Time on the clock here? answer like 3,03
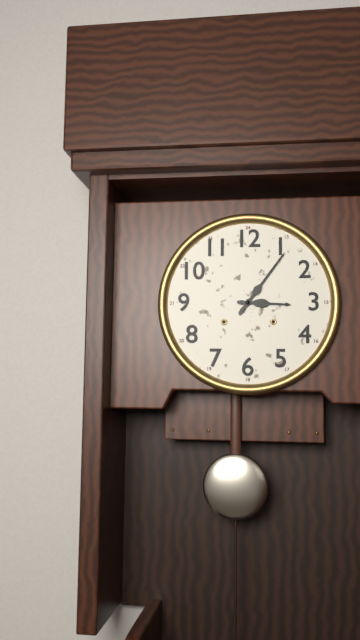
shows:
3,06
